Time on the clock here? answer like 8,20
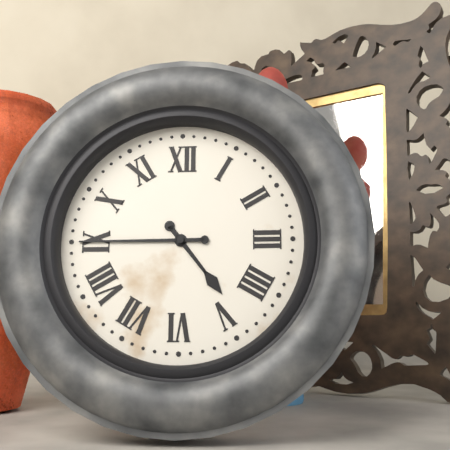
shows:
4,45
